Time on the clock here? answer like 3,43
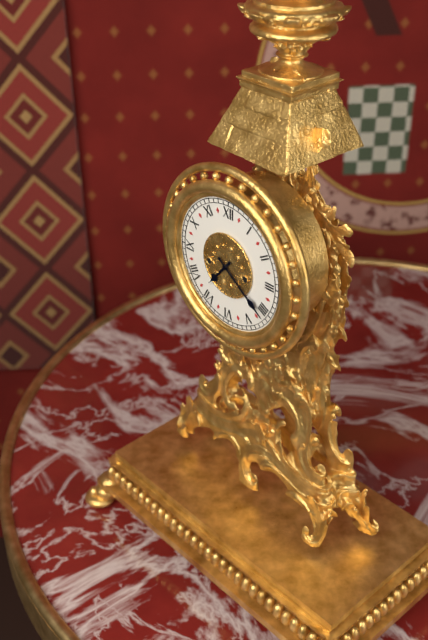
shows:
7,21
